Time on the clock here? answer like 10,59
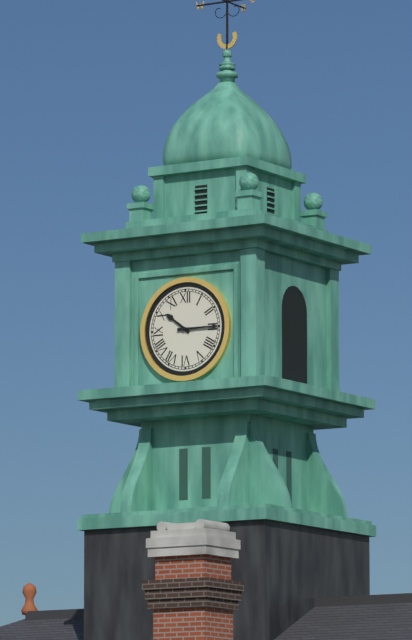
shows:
10,15
